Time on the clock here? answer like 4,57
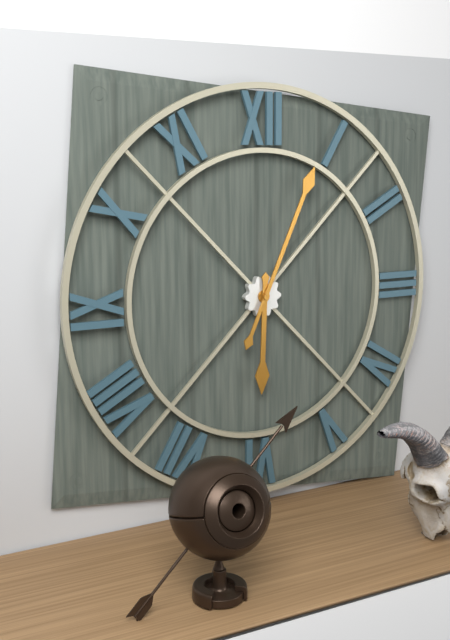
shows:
6,04
